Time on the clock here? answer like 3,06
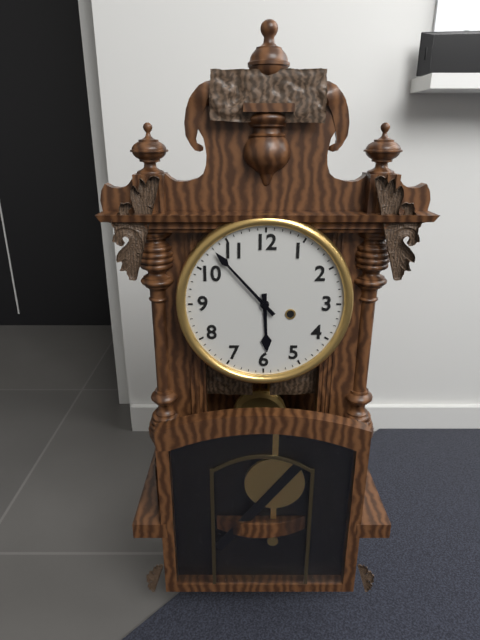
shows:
5,53
